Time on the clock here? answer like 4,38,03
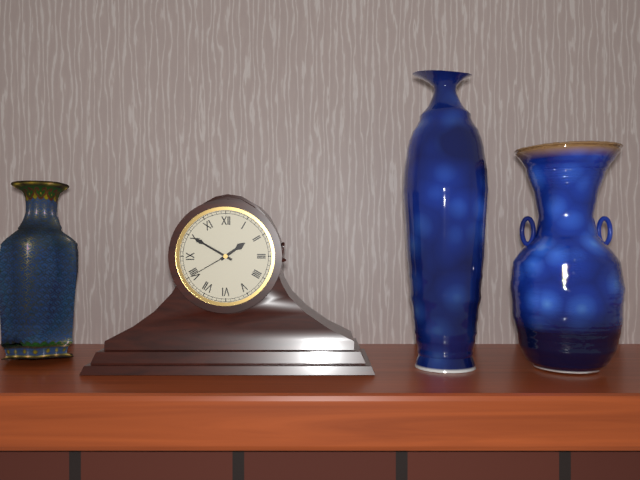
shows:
1,50,40
